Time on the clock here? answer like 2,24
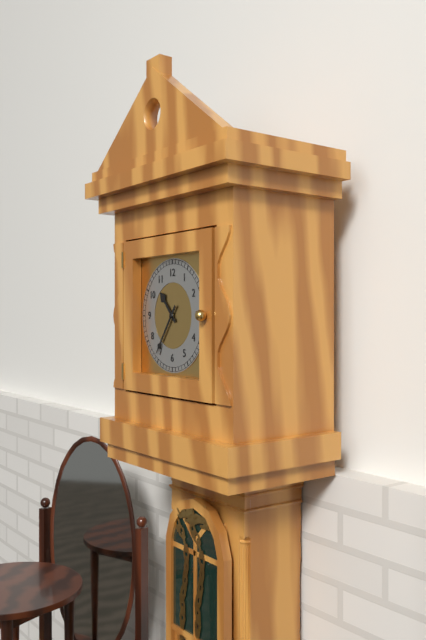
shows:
10,36
